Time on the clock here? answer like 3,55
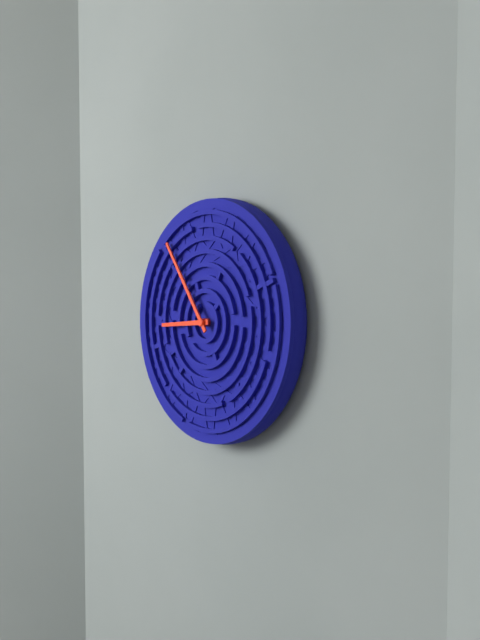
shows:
8,54
